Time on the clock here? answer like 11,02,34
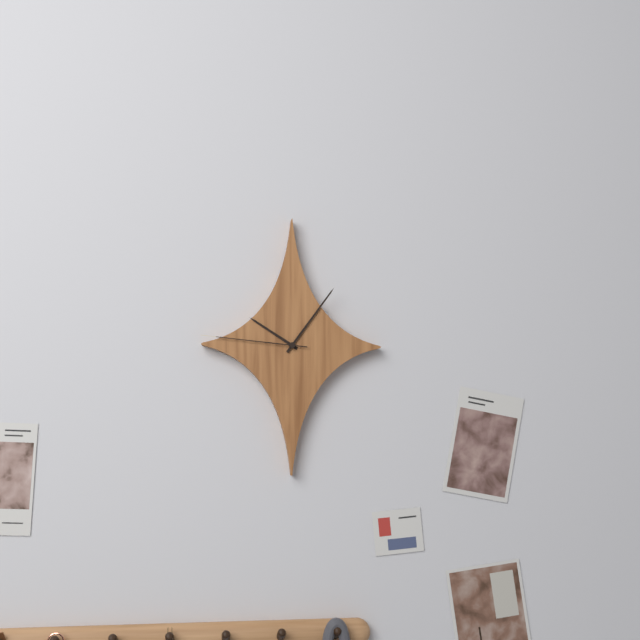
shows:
10,06,46
